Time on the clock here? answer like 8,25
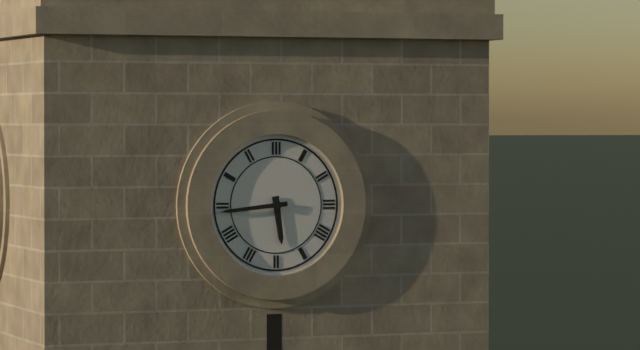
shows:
5,44
